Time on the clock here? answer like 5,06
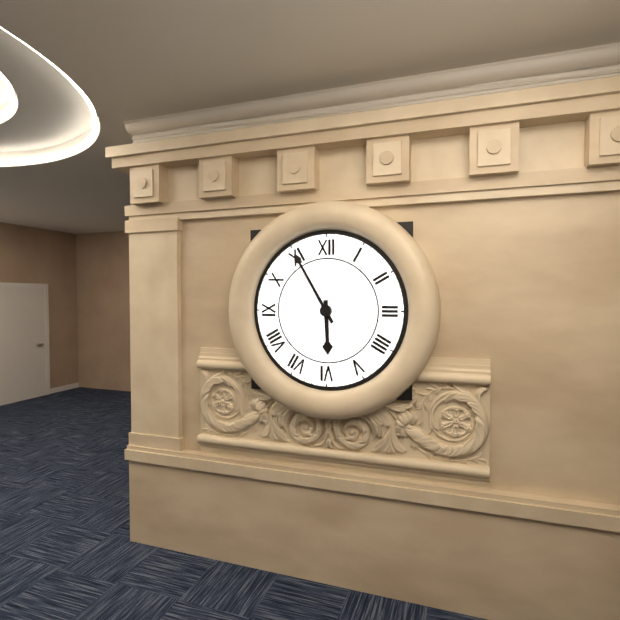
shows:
5,55
